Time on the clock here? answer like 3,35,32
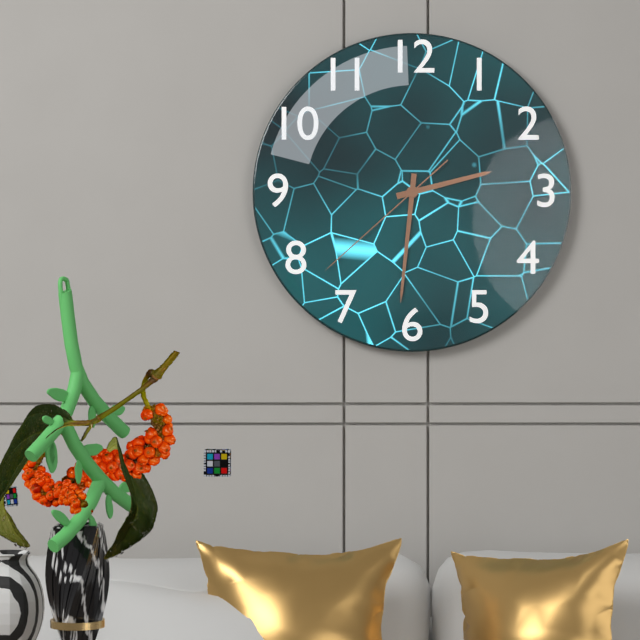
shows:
2,31,38
